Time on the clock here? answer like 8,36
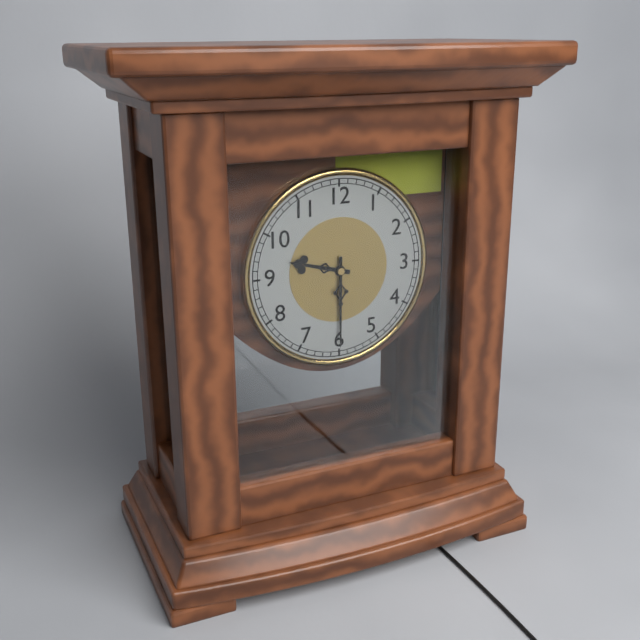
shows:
9,30
